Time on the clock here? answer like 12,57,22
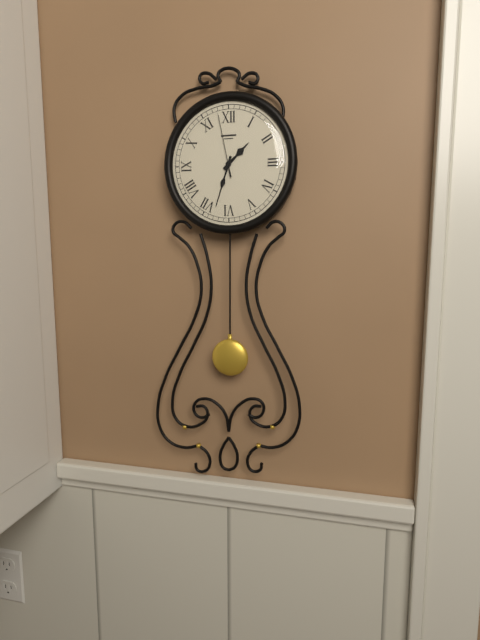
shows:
1,33,58
